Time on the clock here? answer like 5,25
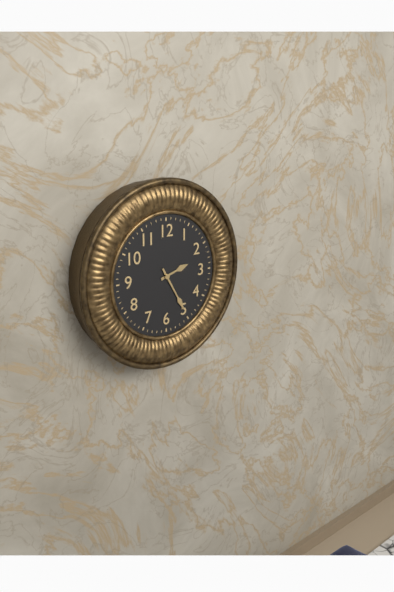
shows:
2,25
